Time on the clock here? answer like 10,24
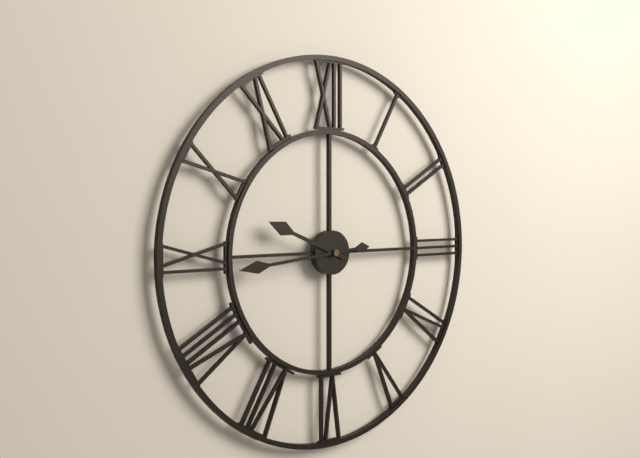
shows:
9,44
